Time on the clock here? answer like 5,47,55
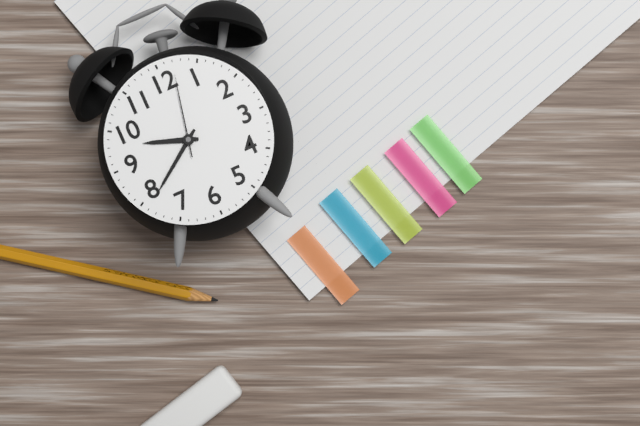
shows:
9,39,02
